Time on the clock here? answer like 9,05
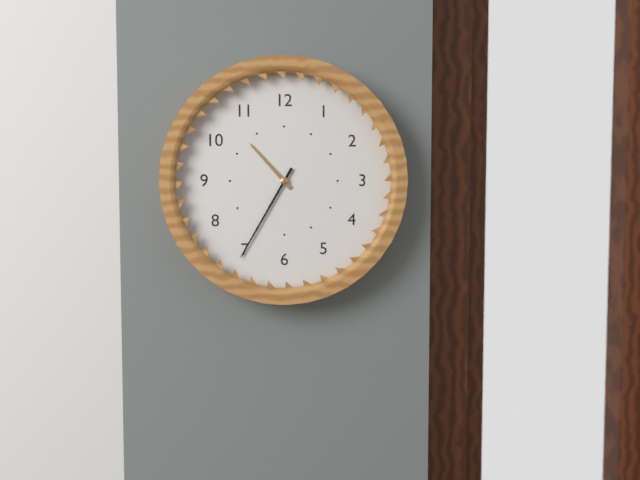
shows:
10,35
